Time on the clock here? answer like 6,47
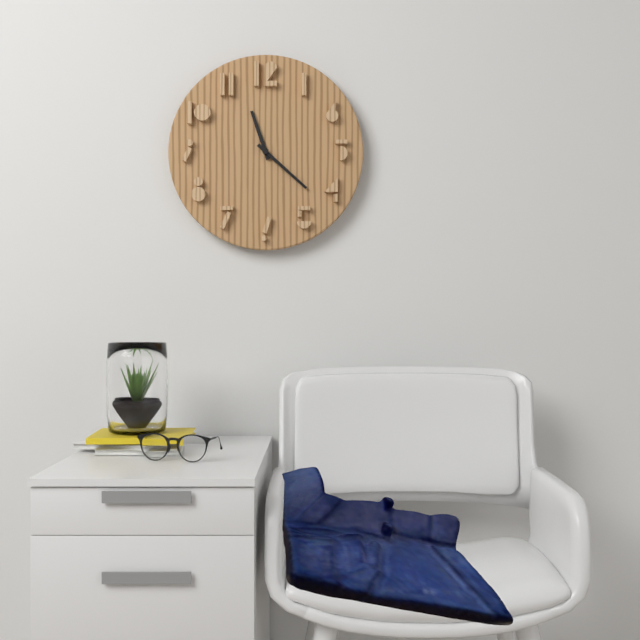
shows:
11,22
